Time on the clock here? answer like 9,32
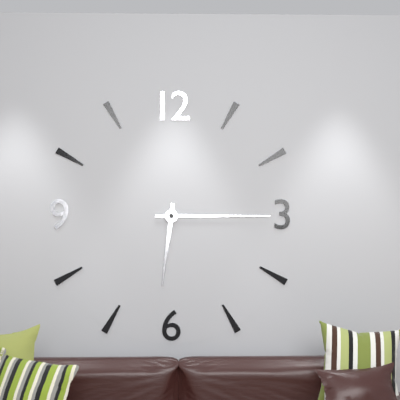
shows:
6,15
